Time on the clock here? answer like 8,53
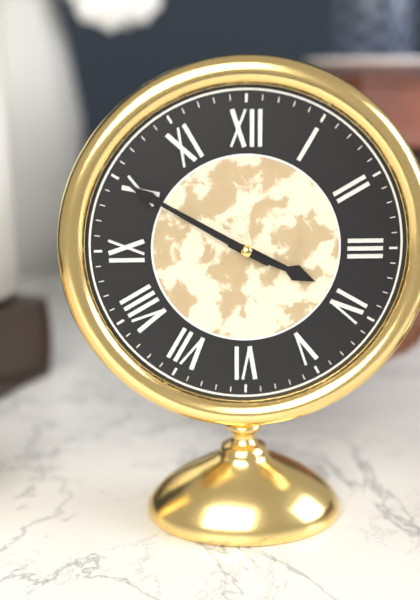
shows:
3,50
